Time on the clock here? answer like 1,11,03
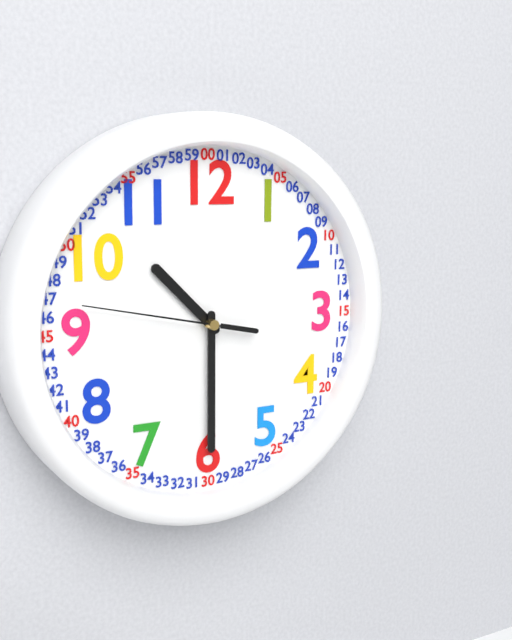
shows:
10,30,47
